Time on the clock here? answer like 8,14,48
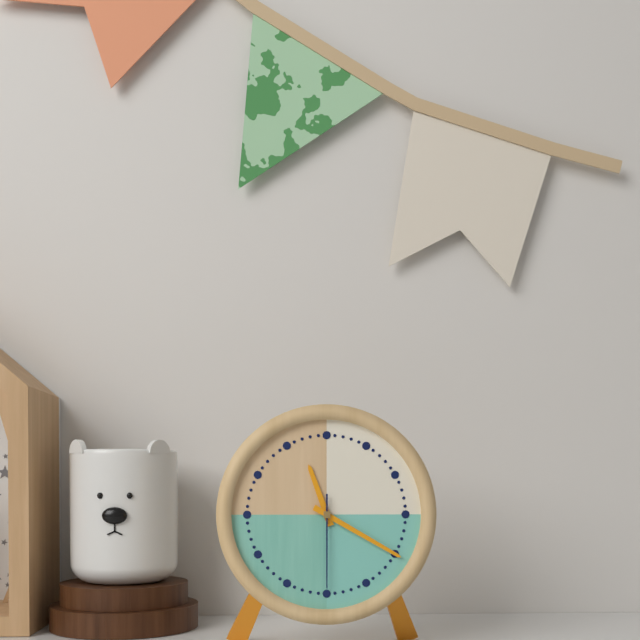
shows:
11,20,30
